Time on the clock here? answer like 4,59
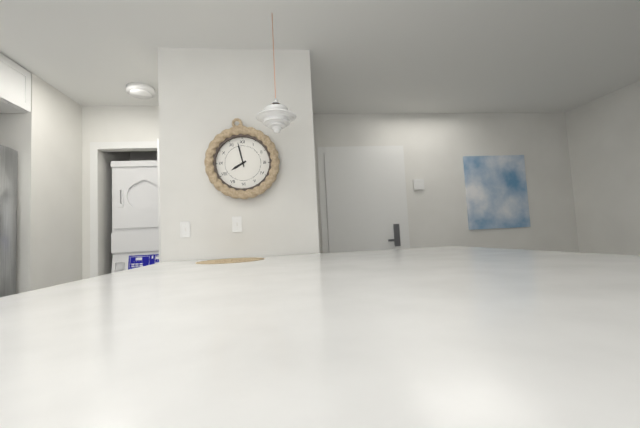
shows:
7,58
